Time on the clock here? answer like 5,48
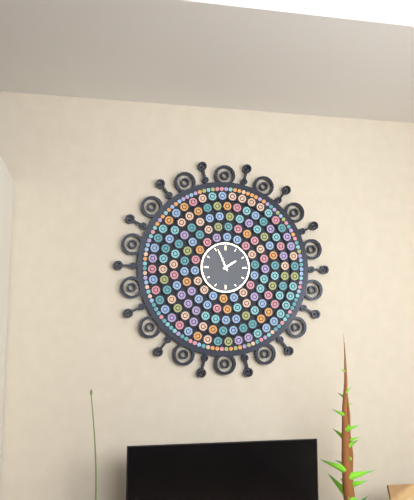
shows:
1,56
